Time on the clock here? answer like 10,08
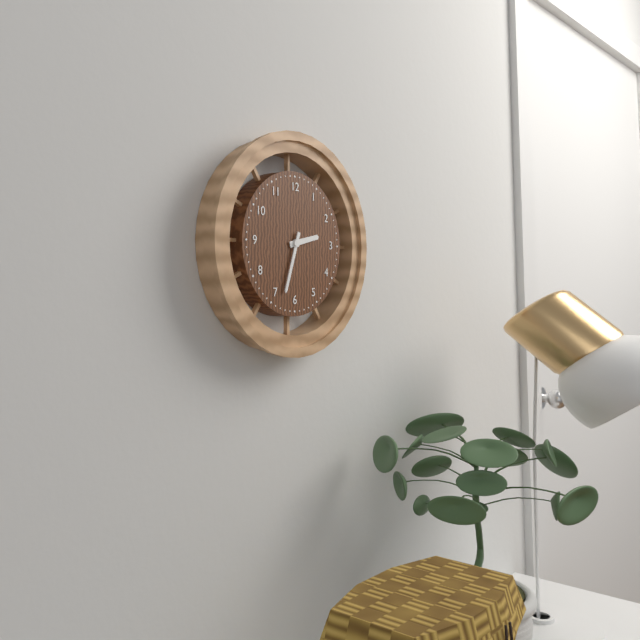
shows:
2,33
